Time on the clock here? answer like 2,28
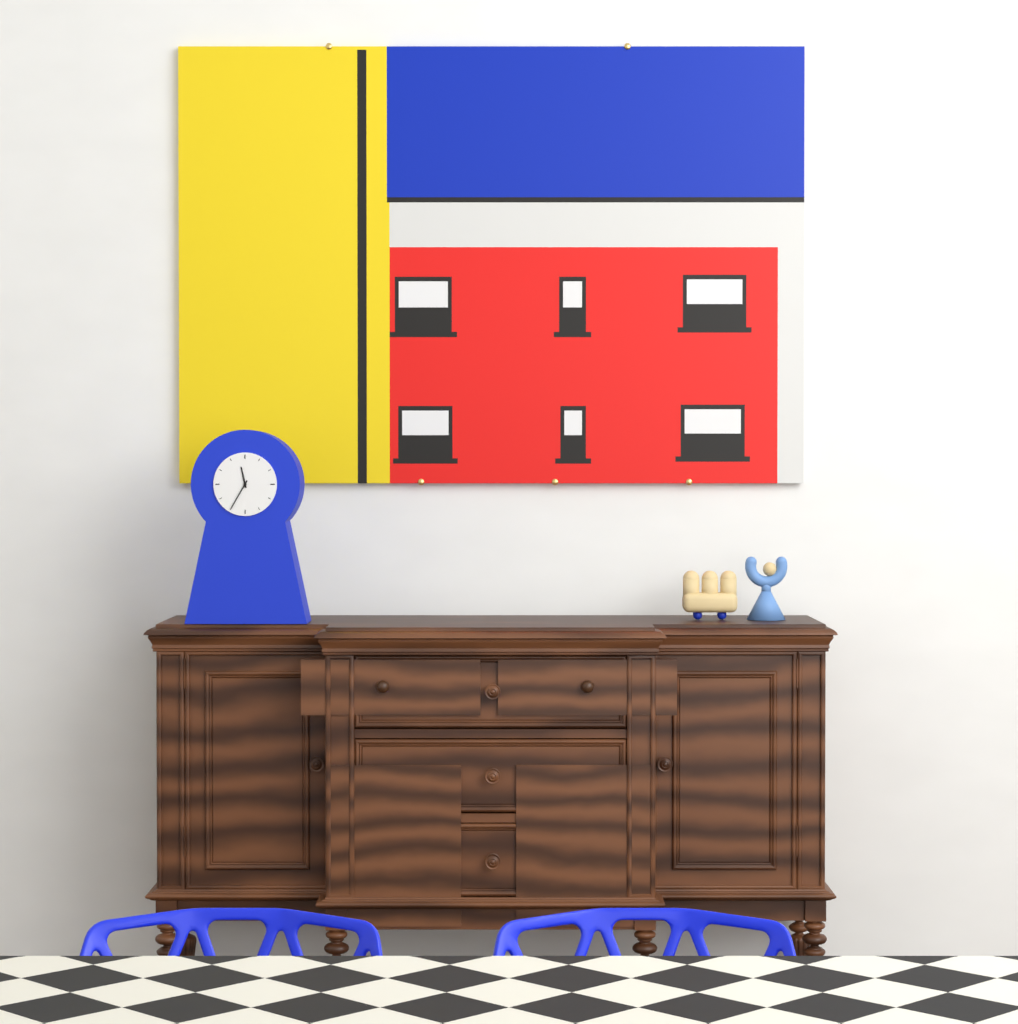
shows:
11,35
